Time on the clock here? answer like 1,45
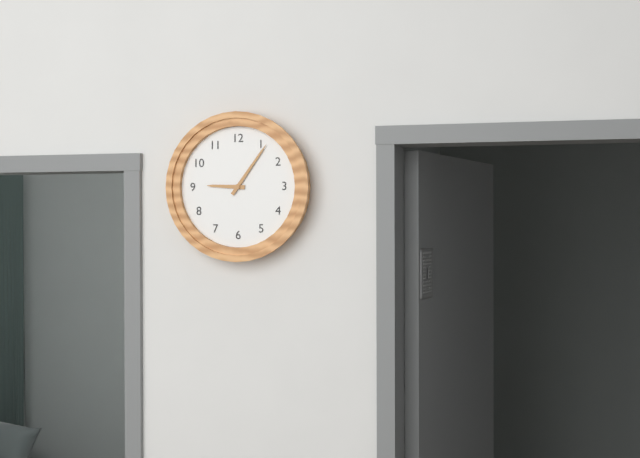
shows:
9,06
